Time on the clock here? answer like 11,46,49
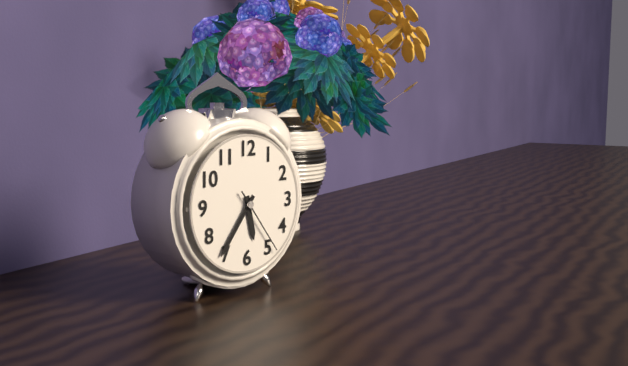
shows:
5,36,24
